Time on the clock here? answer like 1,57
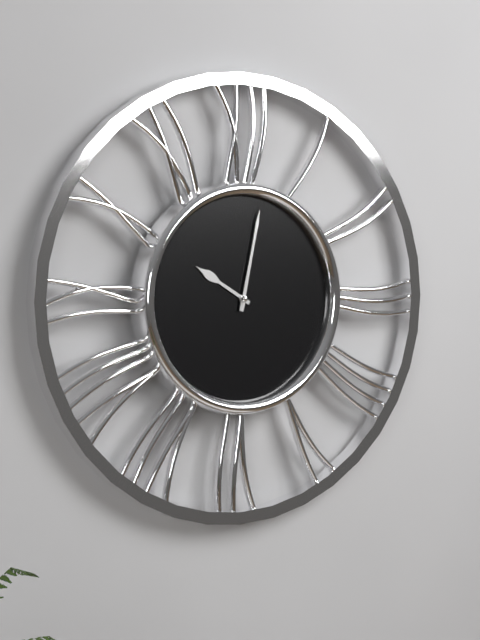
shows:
10,02
